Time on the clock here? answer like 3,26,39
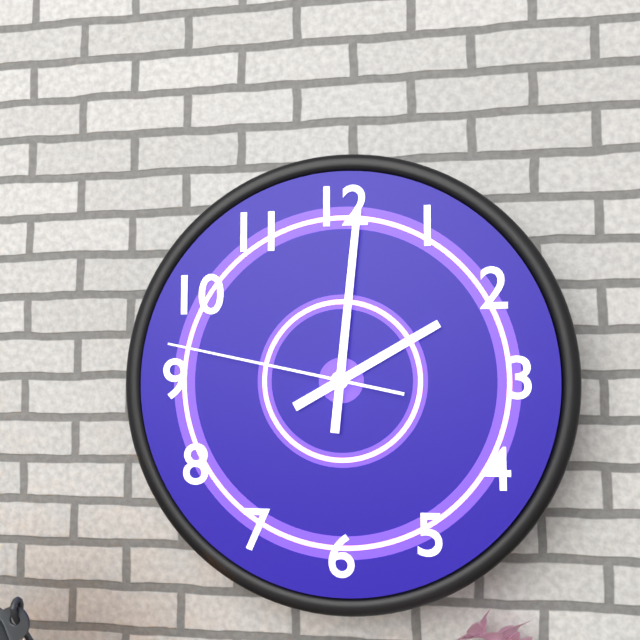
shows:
2,01,47
